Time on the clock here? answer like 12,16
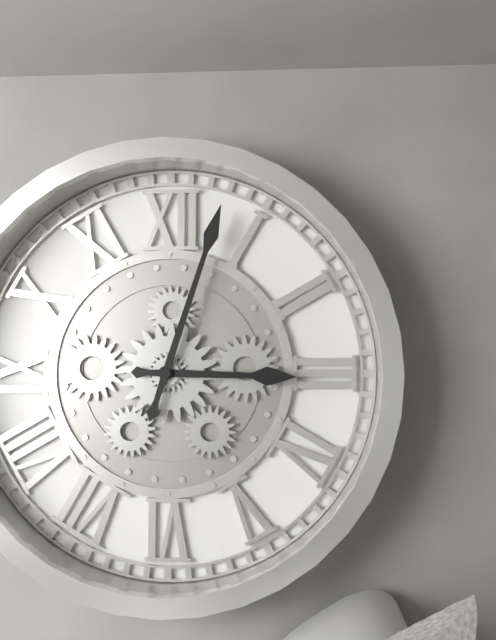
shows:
3,03
